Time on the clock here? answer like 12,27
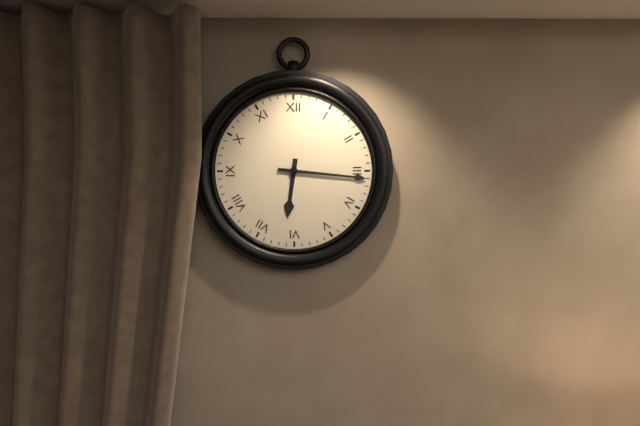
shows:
6,16
